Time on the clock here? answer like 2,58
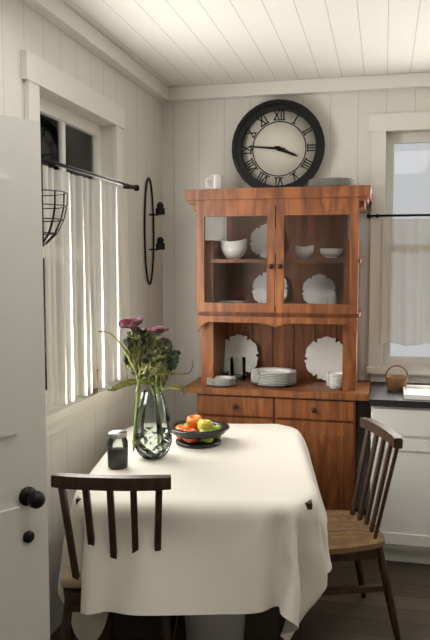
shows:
3,46
